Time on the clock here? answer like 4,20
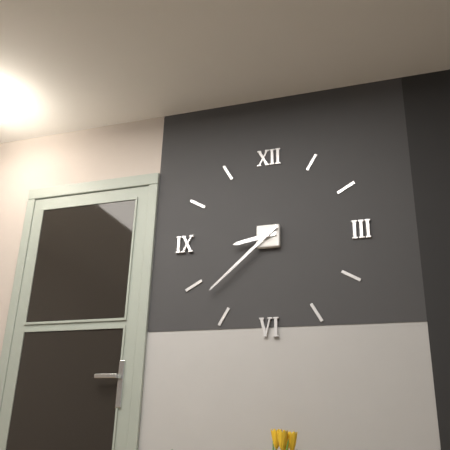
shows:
8,38
